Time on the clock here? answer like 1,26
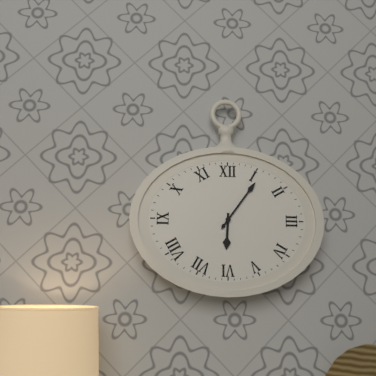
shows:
6,06
